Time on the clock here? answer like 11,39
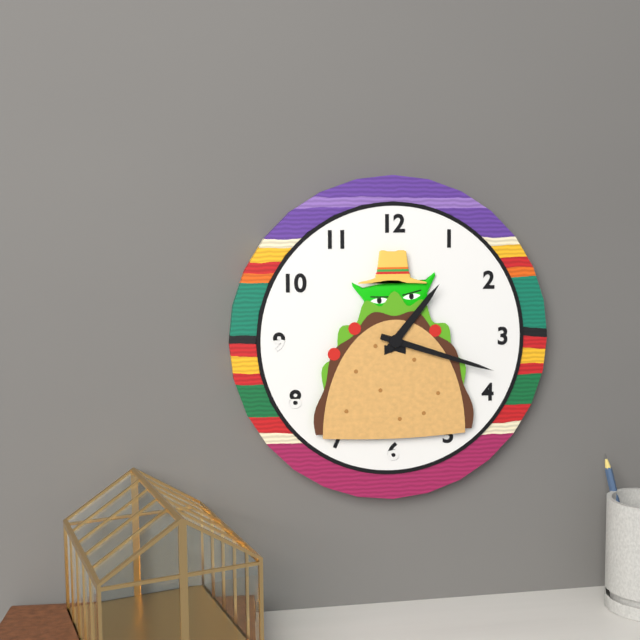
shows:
1,18
